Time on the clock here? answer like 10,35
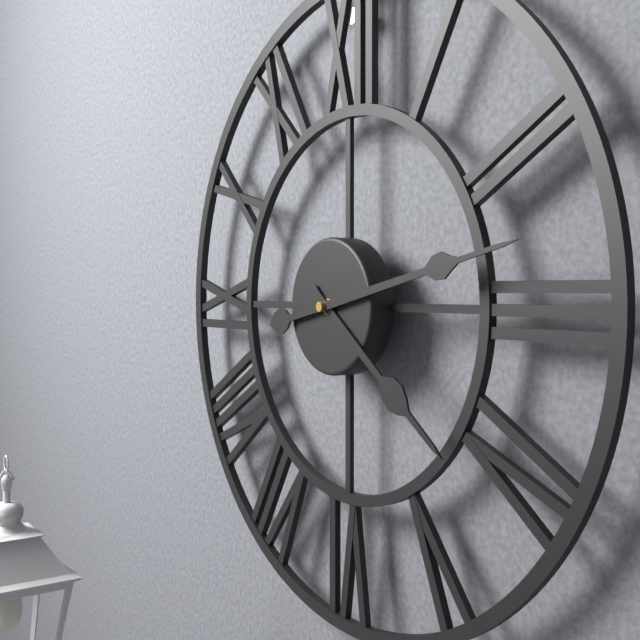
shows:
4,13
